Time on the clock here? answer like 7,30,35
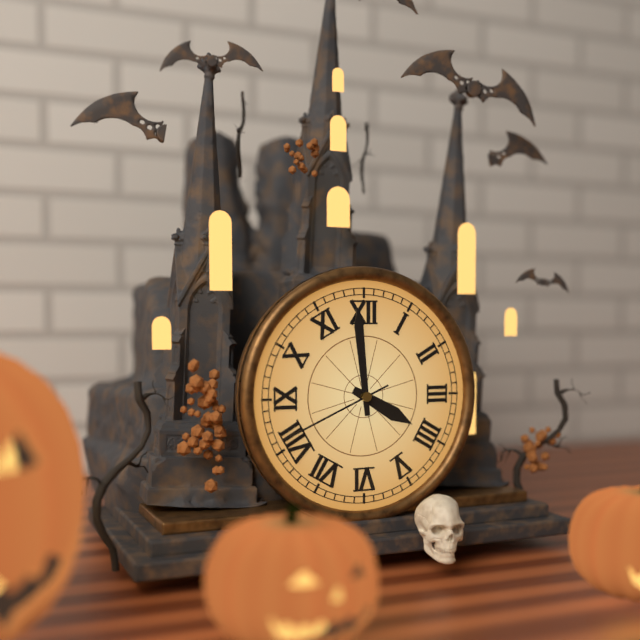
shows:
3,59,41
